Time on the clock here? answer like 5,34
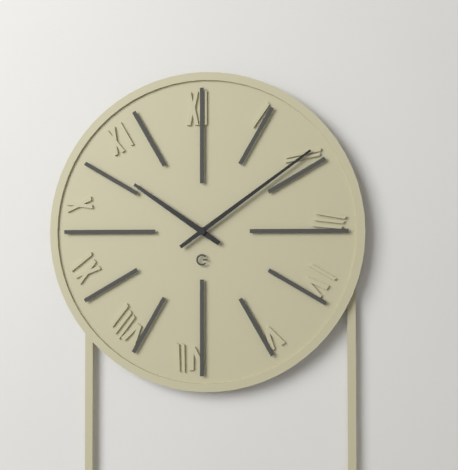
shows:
10,09
